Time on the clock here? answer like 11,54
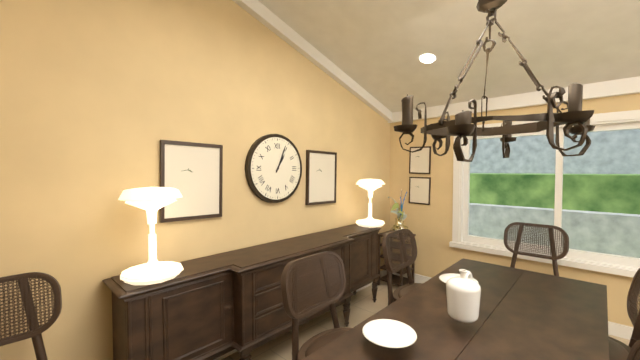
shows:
1,04
